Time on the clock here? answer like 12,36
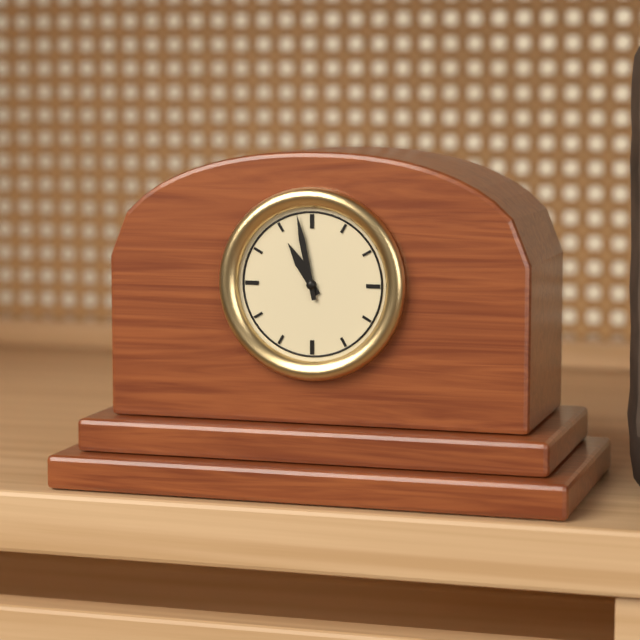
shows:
10,58
